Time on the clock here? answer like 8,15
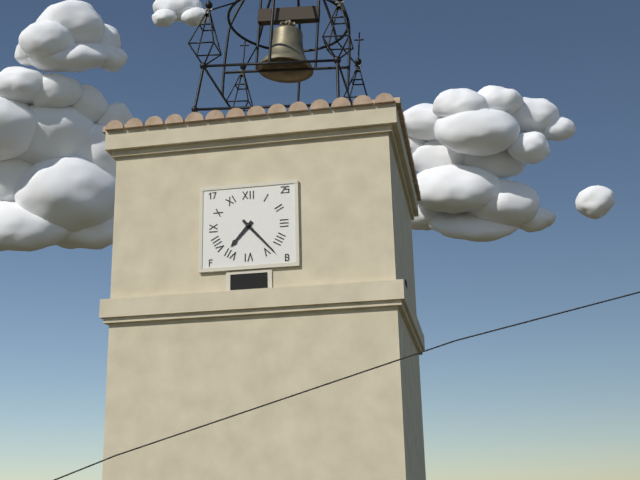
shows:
7,23
